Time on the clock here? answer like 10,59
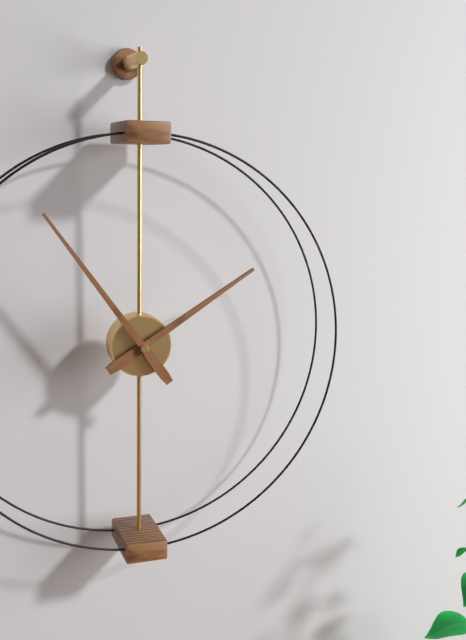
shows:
1,54
